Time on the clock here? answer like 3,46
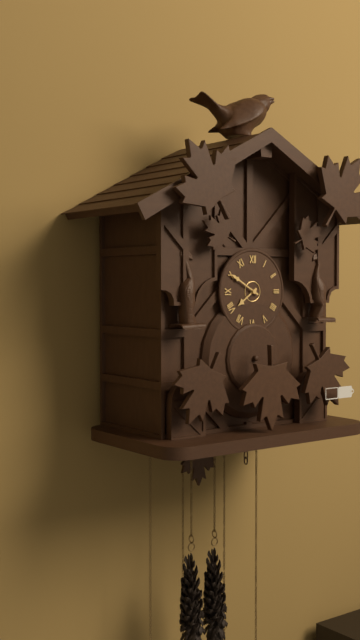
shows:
7,50
